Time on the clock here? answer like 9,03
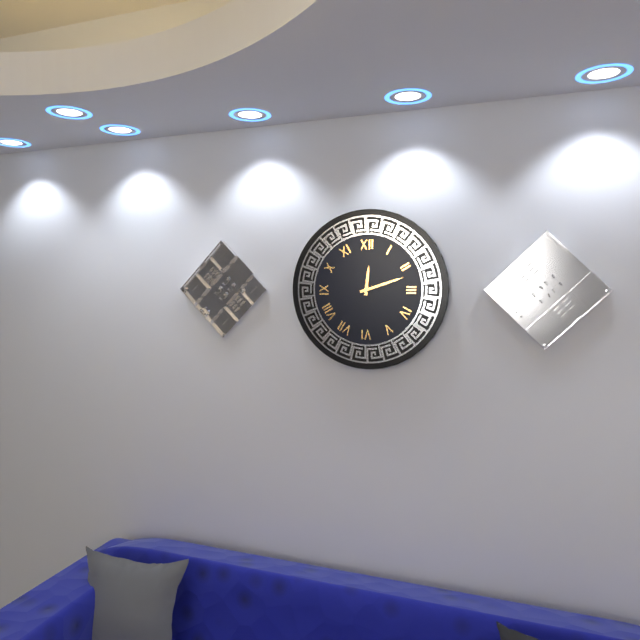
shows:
12,12
